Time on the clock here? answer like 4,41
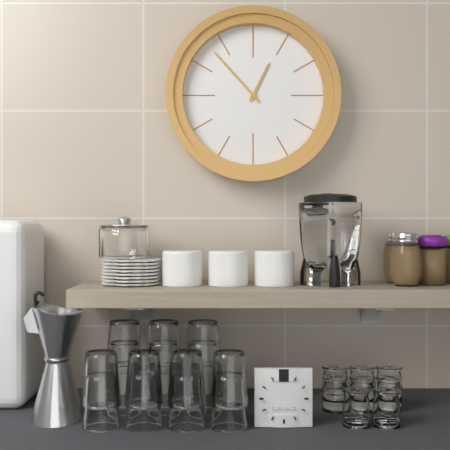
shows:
12,53
